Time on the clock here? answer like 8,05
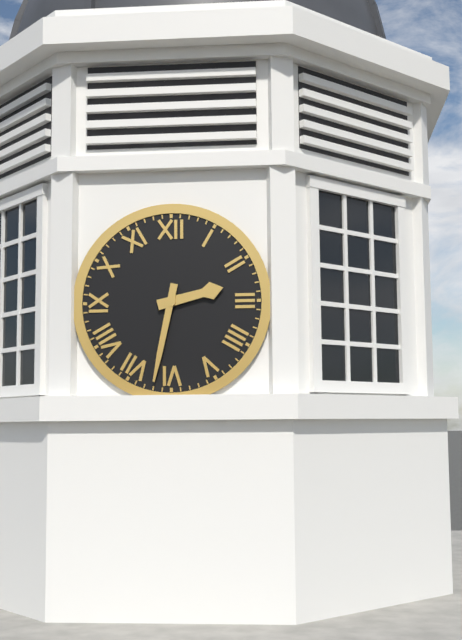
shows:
2,32
